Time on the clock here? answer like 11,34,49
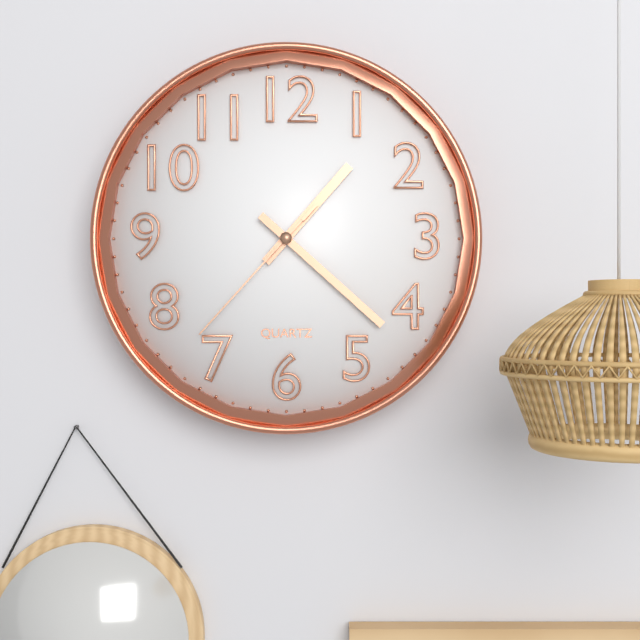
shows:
1,22,37
